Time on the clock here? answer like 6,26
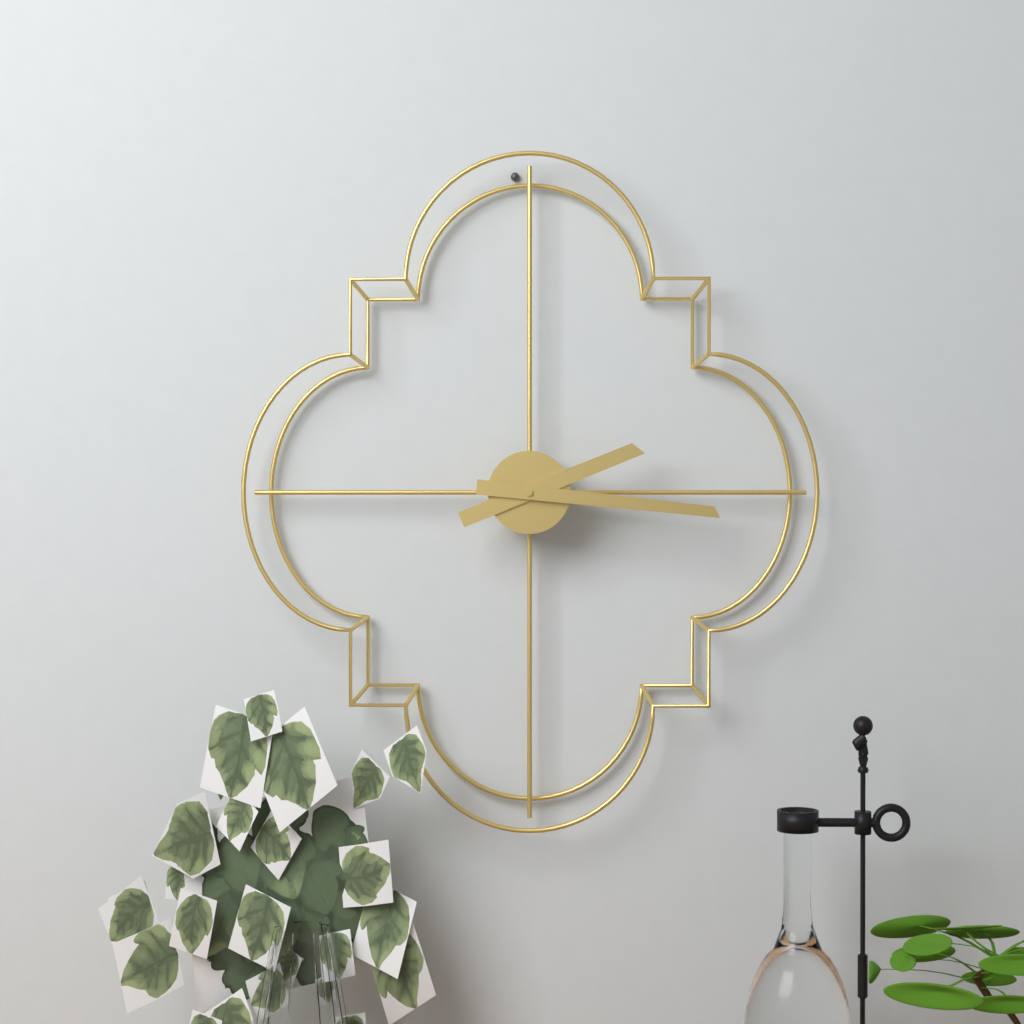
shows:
2,16
